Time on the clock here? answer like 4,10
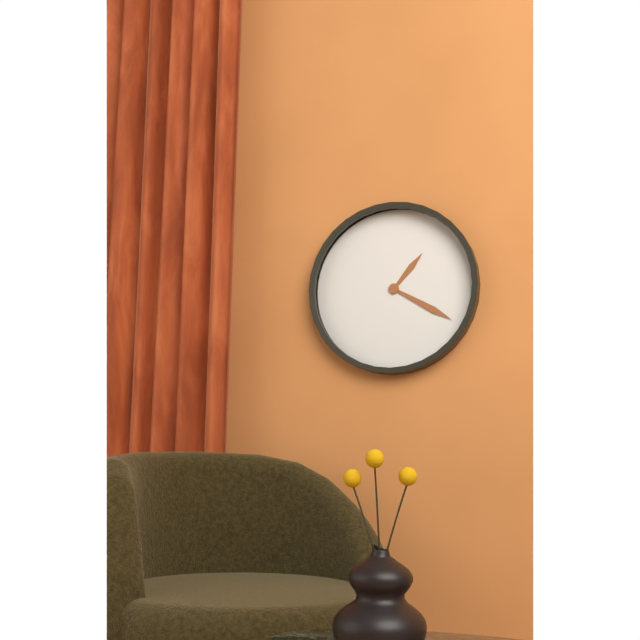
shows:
1,20
